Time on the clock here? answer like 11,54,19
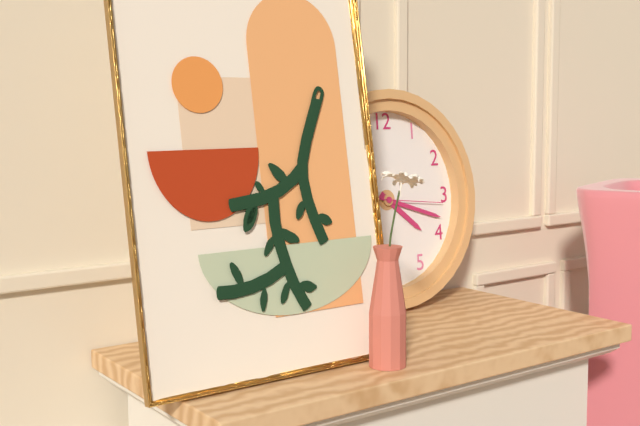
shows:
4,18,16
